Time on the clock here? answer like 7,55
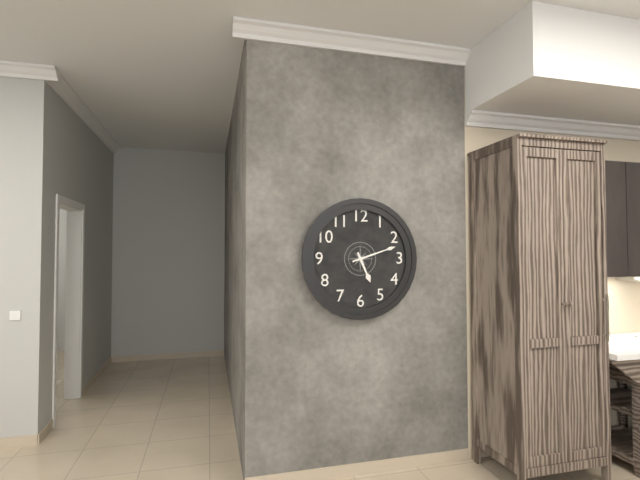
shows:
5,12
